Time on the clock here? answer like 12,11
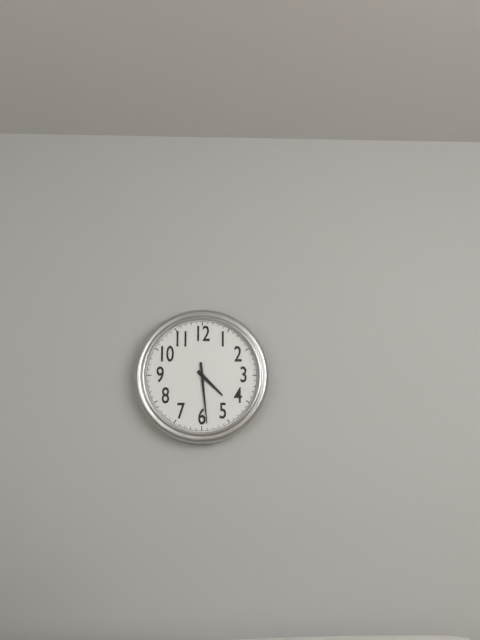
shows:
4,29
